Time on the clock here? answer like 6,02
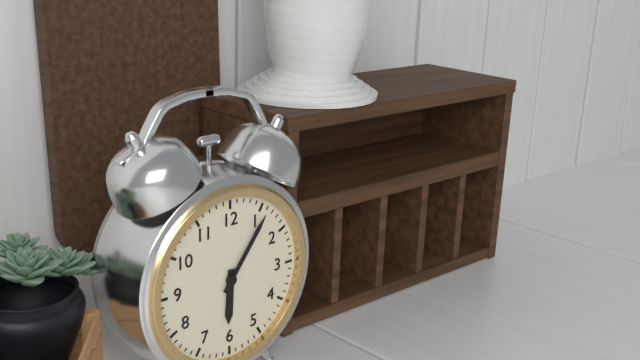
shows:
6,06
